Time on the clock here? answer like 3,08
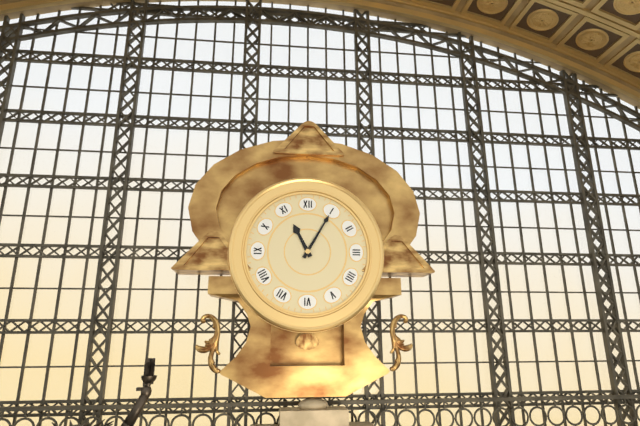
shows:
11,05
